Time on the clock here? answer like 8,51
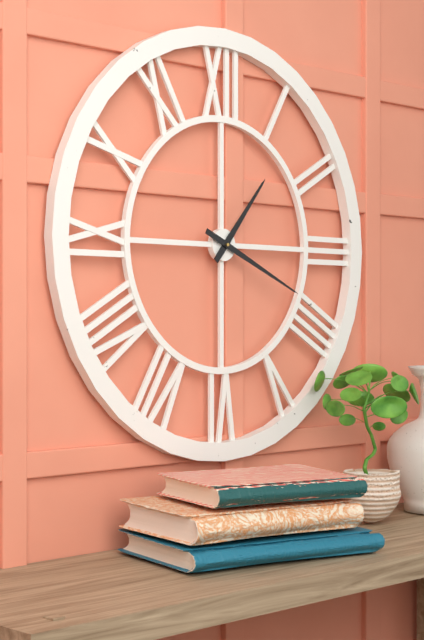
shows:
1,19
